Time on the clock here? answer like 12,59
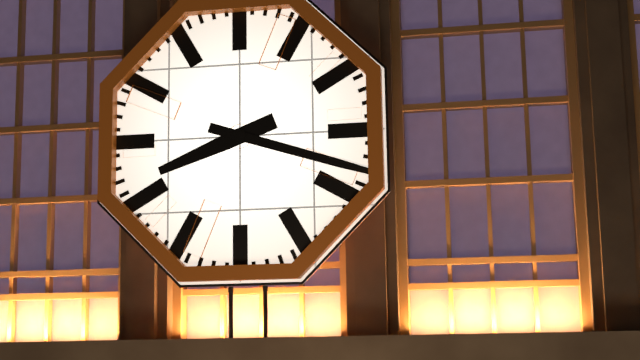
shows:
8,18
